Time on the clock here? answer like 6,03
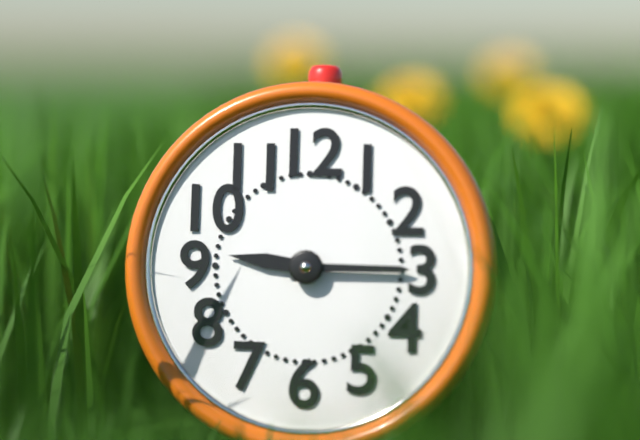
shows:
9,15
